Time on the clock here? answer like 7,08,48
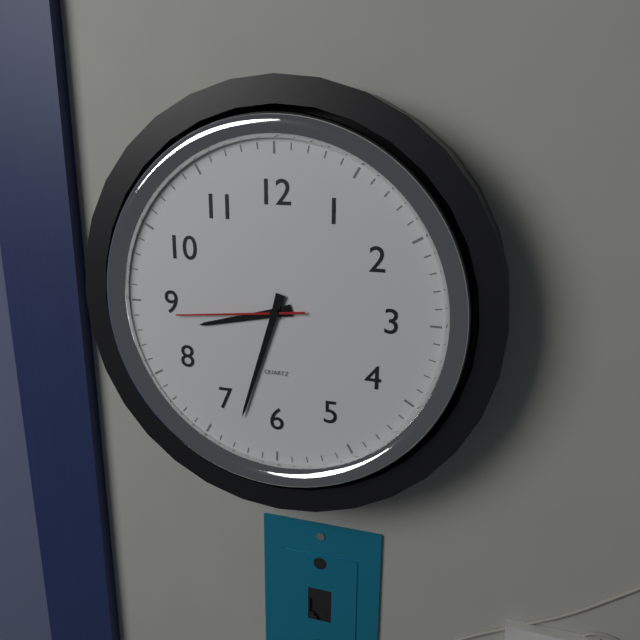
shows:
8,33,44
